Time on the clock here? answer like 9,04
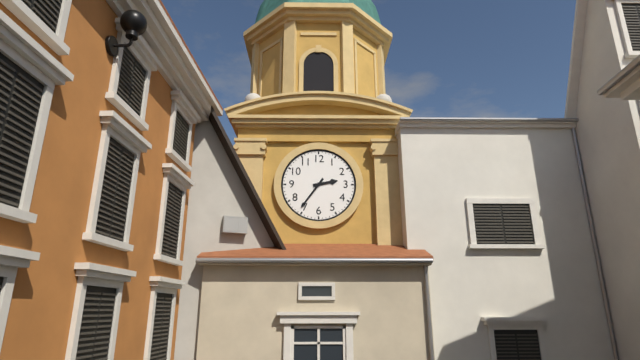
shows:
2,36
